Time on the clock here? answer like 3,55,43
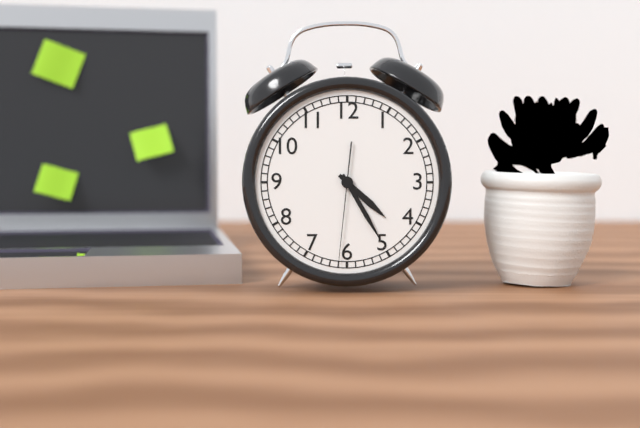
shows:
4,25,31
